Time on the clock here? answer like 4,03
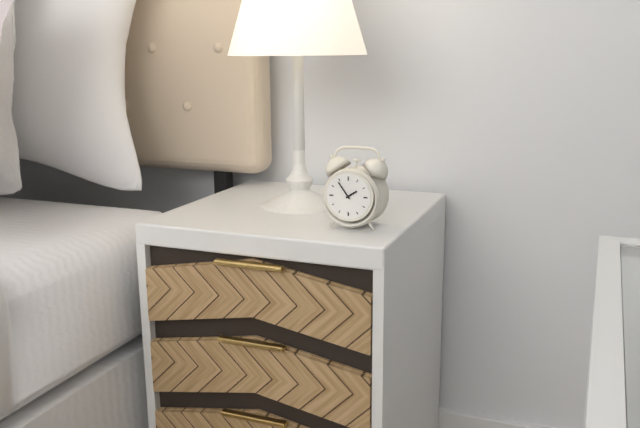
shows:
1,54
